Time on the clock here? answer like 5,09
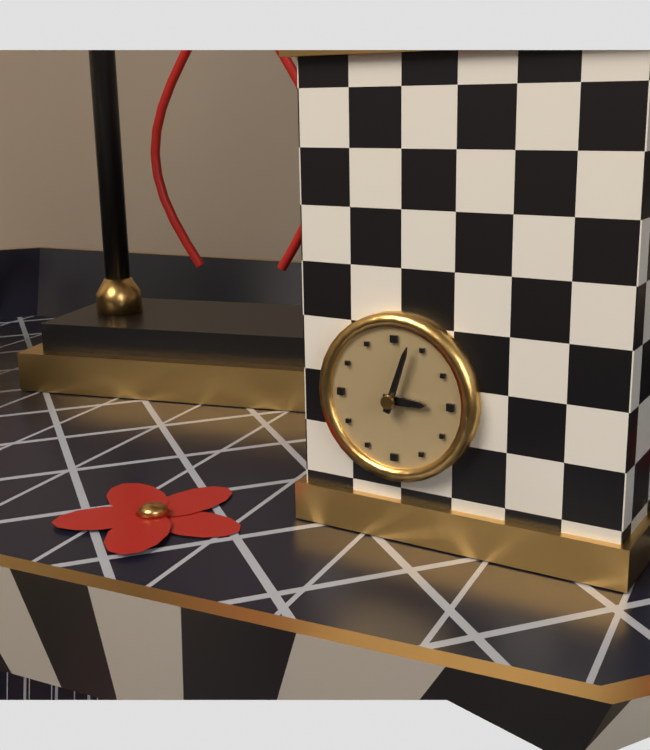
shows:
3,03
